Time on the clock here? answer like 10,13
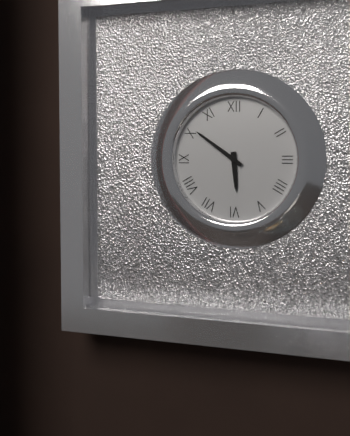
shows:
5,51
